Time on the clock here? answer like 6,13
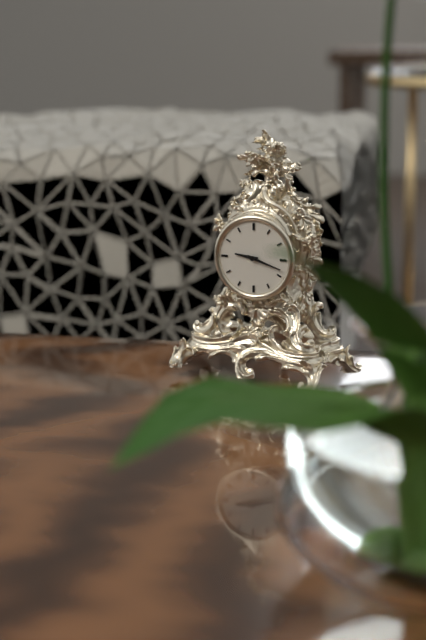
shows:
9,18
